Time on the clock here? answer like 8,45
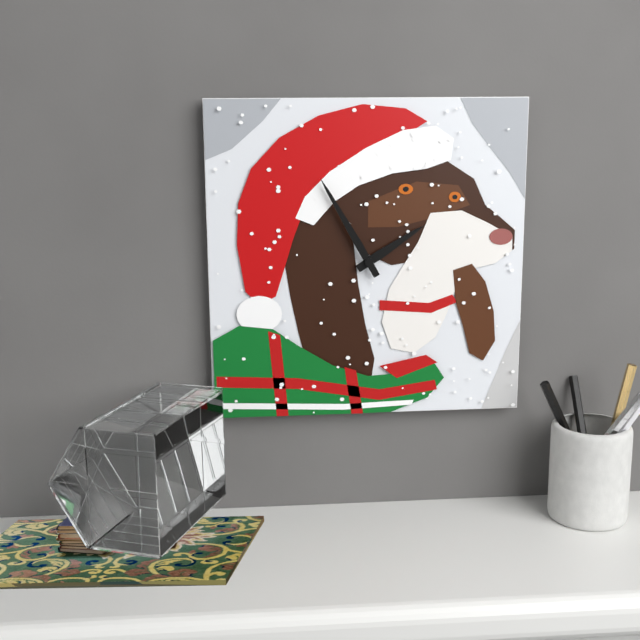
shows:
1,55
